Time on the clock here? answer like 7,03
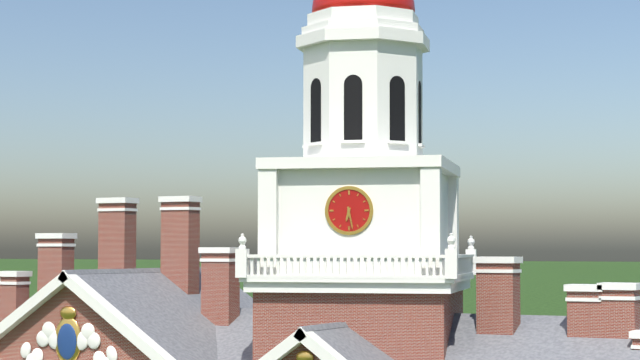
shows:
6,28
